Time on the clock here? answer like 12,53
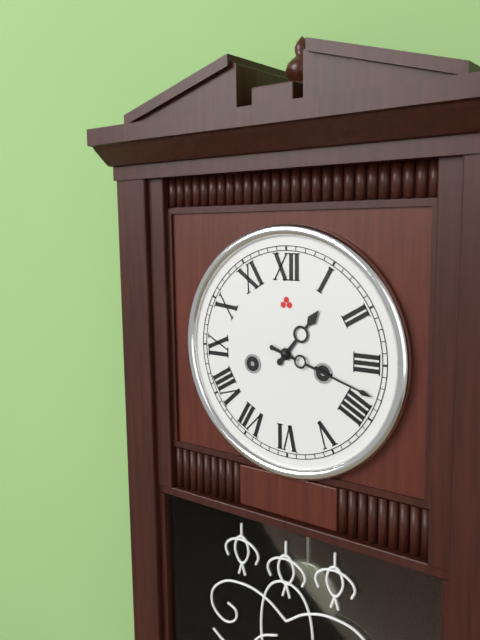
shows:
1,18
